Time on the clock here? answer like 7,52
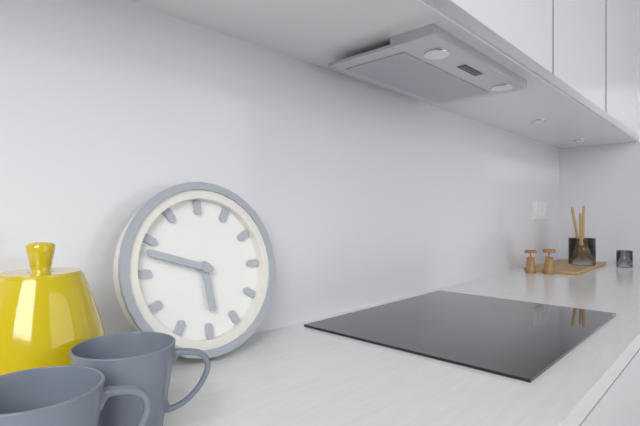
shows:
5,48
